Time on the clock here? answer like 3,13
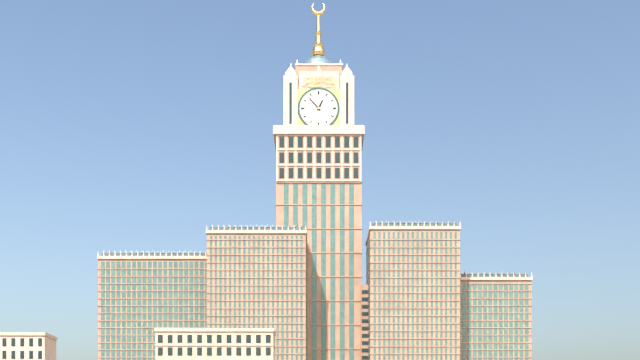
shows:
12,53
